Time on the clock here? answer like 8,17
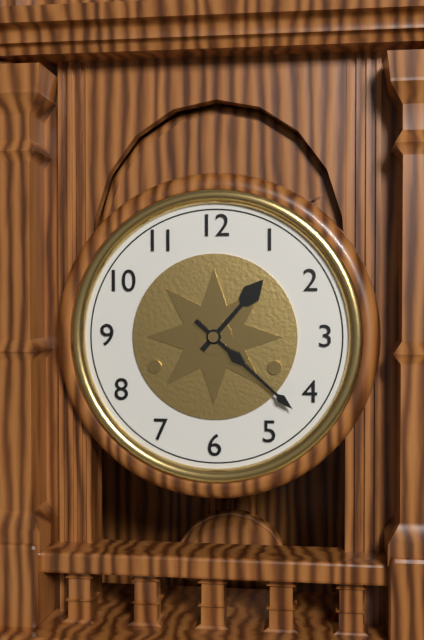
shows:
1,22
